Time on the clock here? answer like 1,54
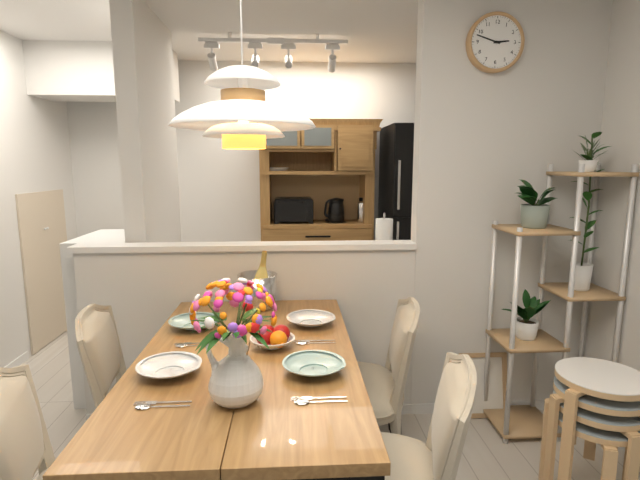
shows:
2,48
